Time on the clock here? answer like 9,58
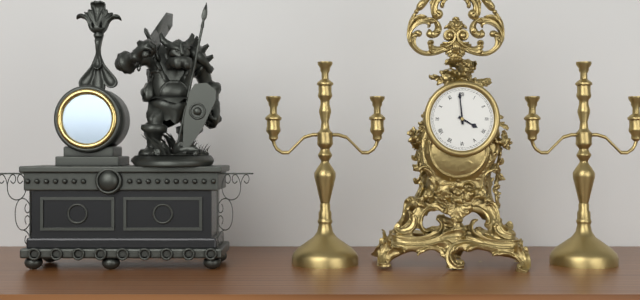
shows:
3,59
